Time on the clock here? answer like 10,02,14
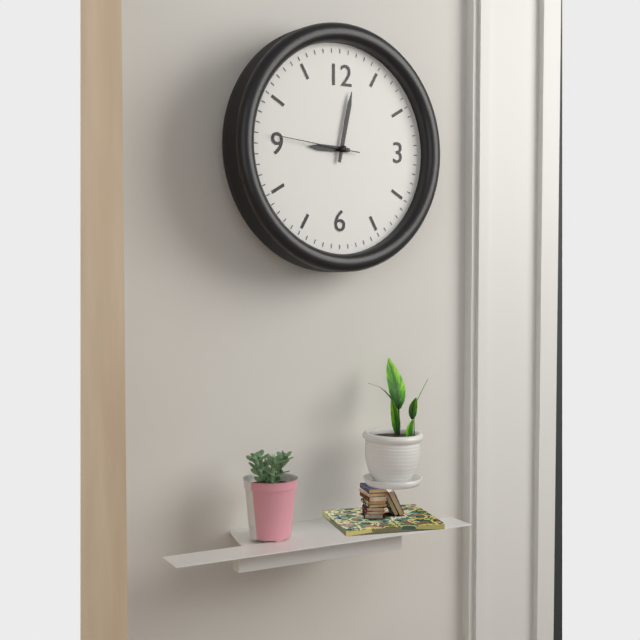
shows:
9,02,46
